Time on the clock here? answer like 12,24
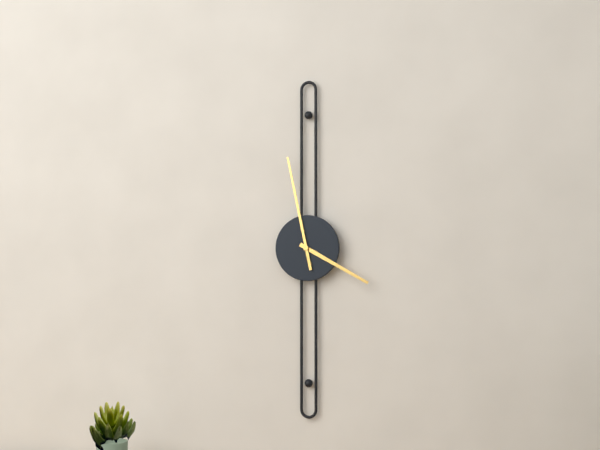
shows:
3,58
